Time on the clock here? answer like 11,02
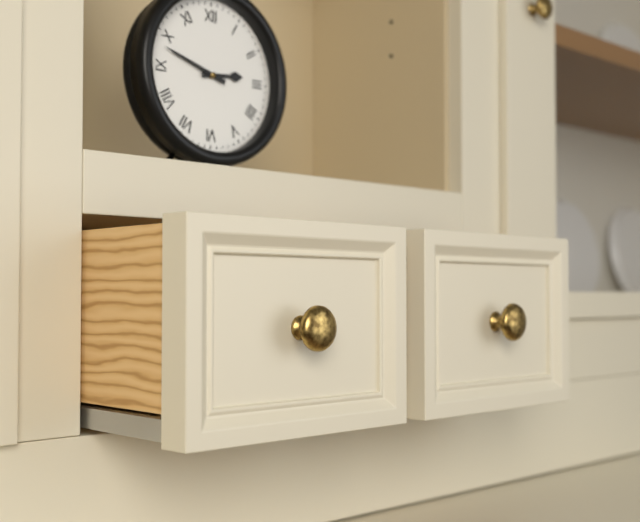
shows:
2,48
